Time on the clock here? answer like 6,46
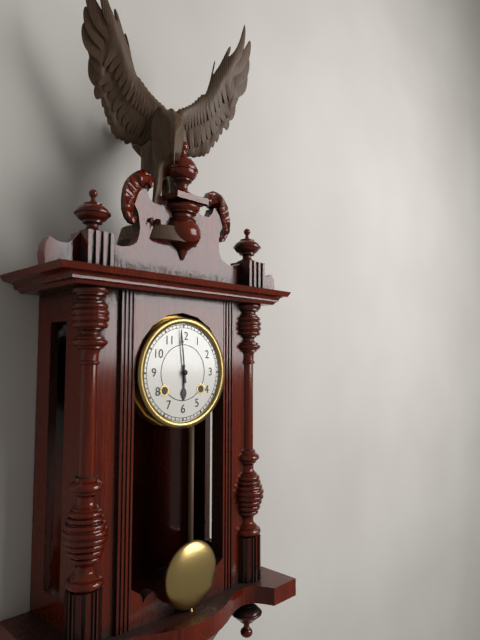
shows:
5,59
